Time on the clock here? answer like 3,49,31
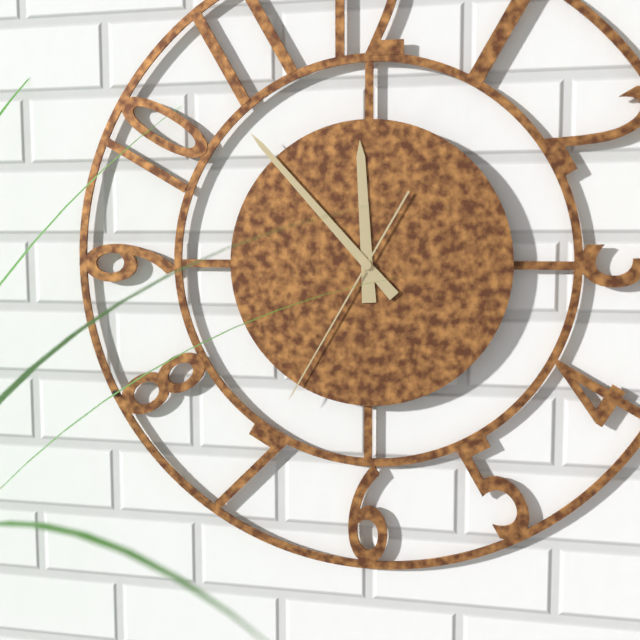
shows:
11,53,35
